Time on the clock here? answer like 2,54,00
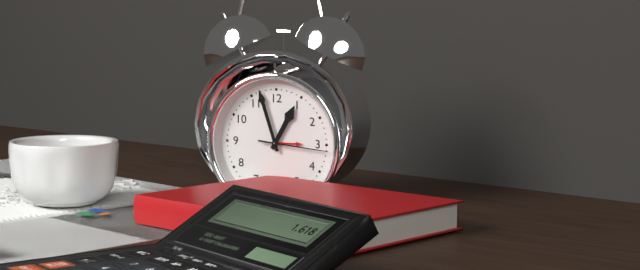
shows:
12,57,16
